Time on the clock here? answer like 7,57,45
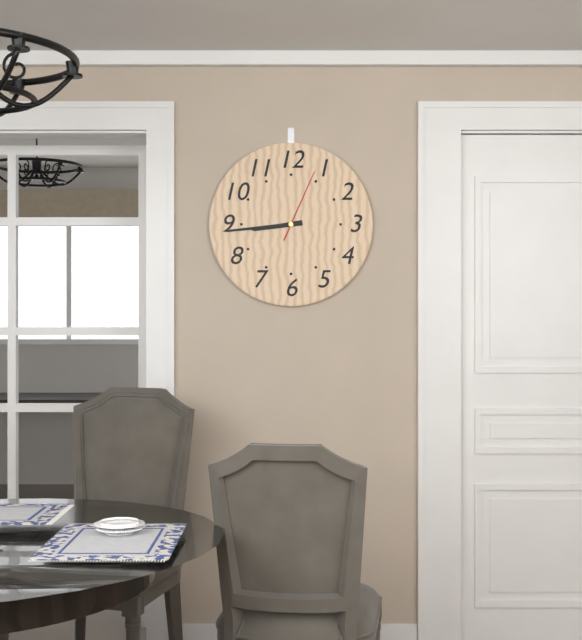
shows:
8,44,04
